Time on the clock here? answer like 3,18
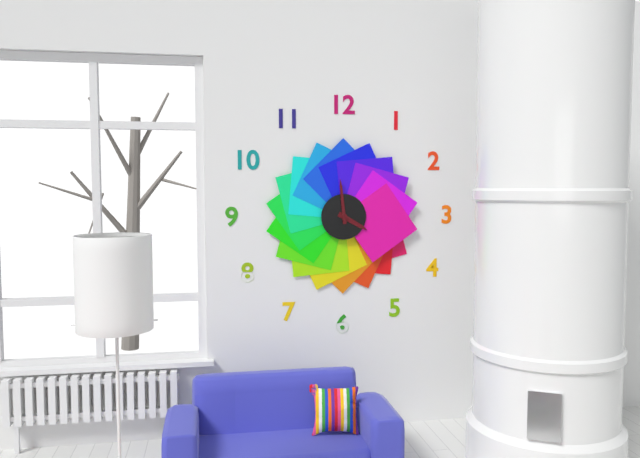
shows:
3,59
